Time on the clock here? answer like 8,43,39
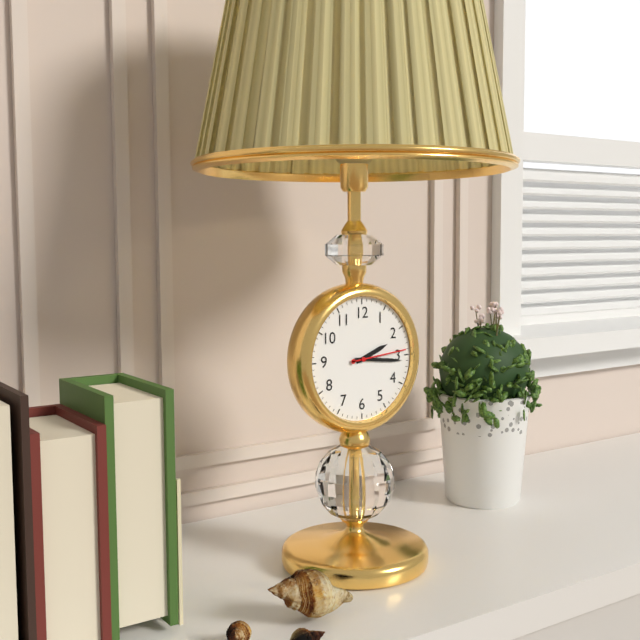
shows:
2,16,14
